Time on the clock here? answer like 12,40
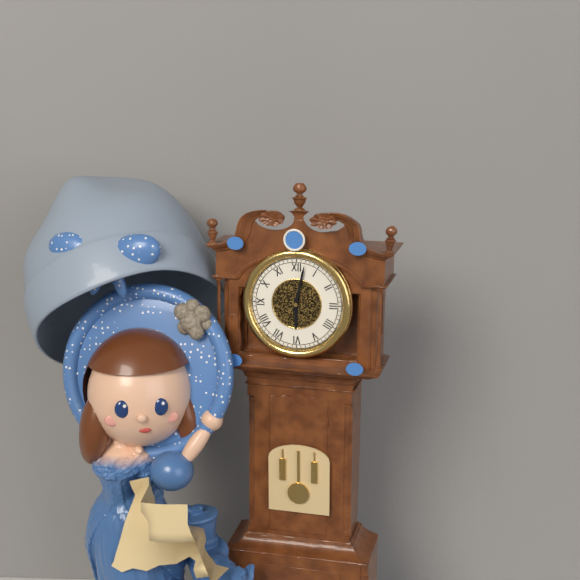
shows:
6,02
